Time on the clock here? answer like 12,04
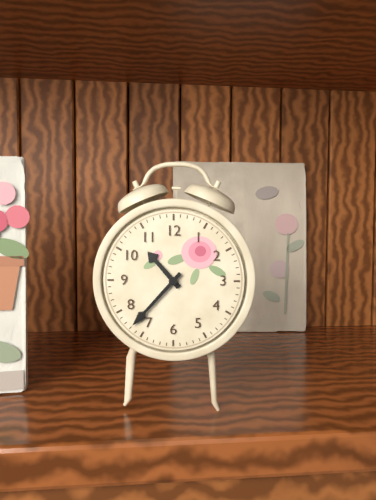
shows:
10,37
